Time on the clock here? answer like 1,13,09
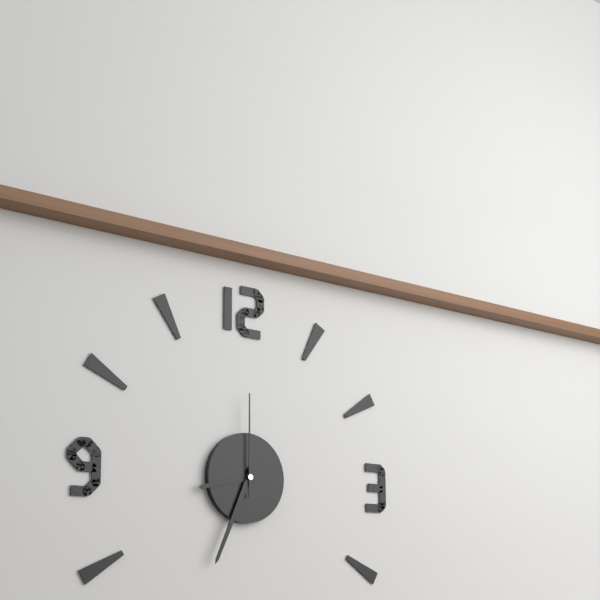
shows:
8,34,00
